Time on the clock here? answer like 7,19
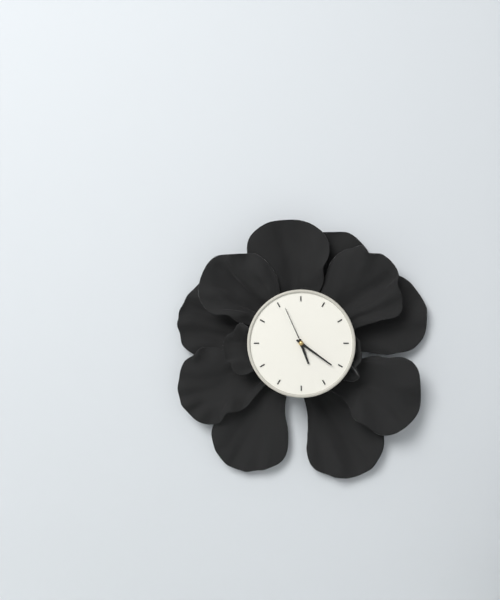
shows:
5,21
